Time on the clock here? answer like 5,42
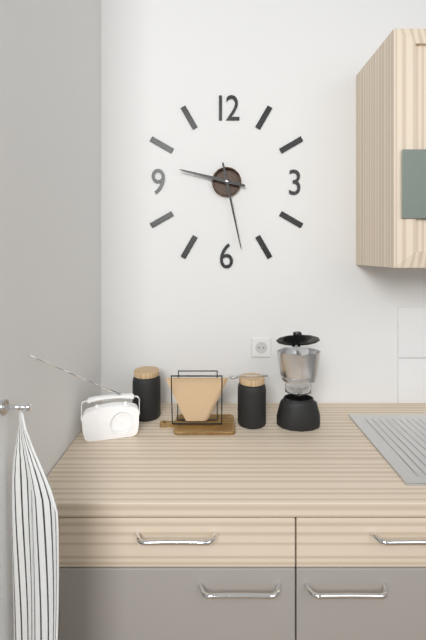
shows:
9,28
